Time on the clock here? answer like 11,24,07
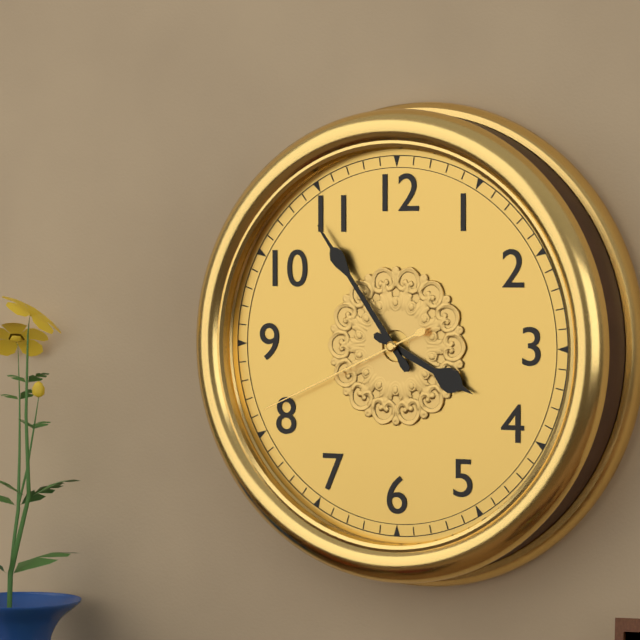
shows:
3,54,41
